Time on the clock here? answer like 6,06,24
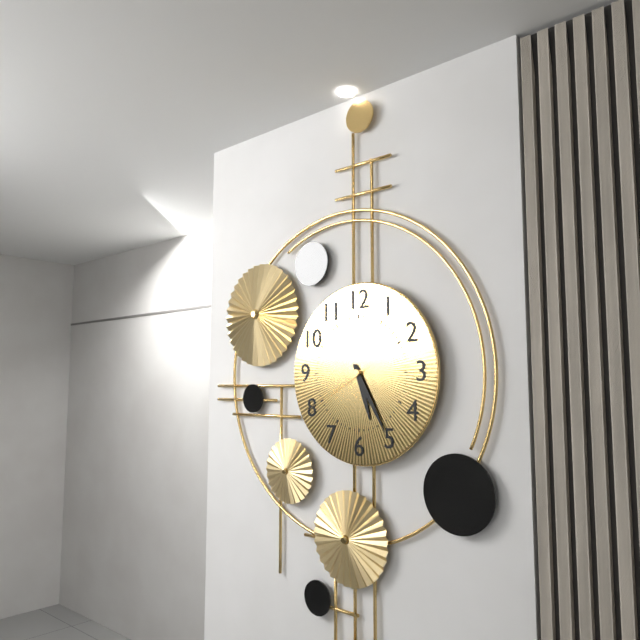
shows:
5,25,40
